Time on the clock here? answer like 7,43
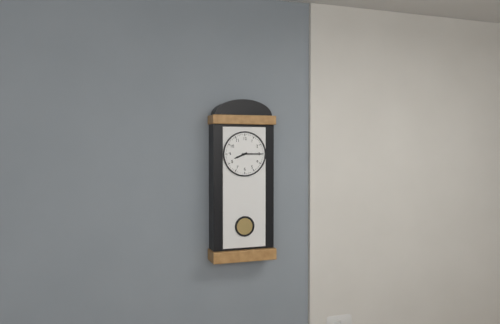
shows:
8,15
